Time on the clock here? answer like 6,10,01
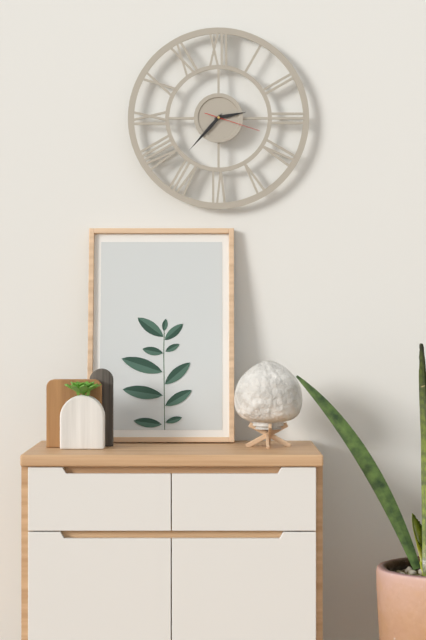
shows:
2,37,18
